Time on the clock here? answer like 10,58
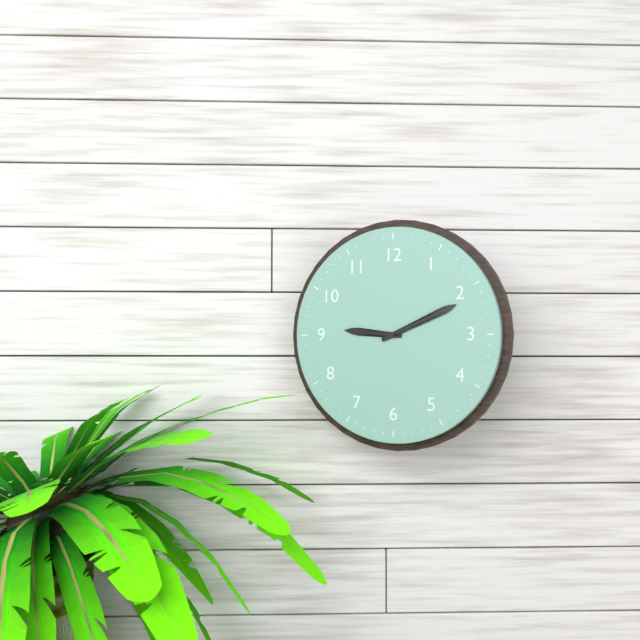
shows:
9,11
